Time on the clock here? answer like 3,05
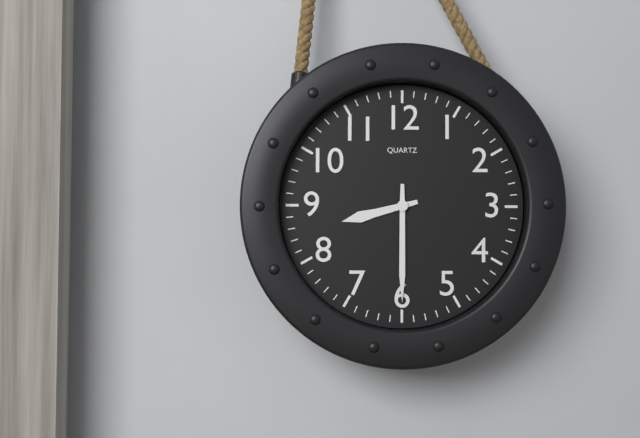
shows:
8,30
